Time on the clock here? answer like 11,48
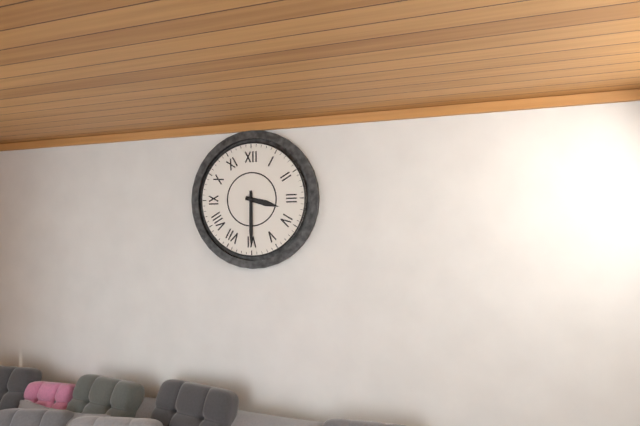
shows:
3,30
